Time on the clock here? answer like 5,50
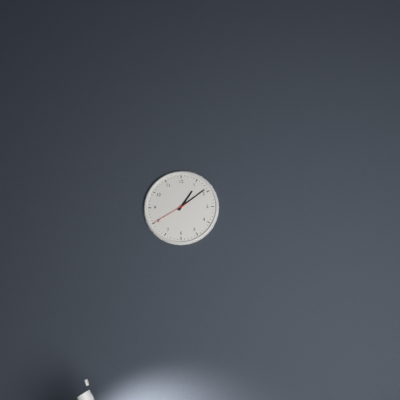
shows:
1,09
